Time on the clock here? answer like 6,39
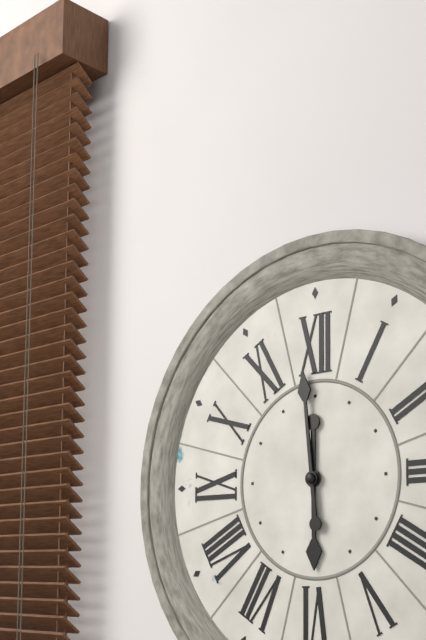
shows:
5,59
